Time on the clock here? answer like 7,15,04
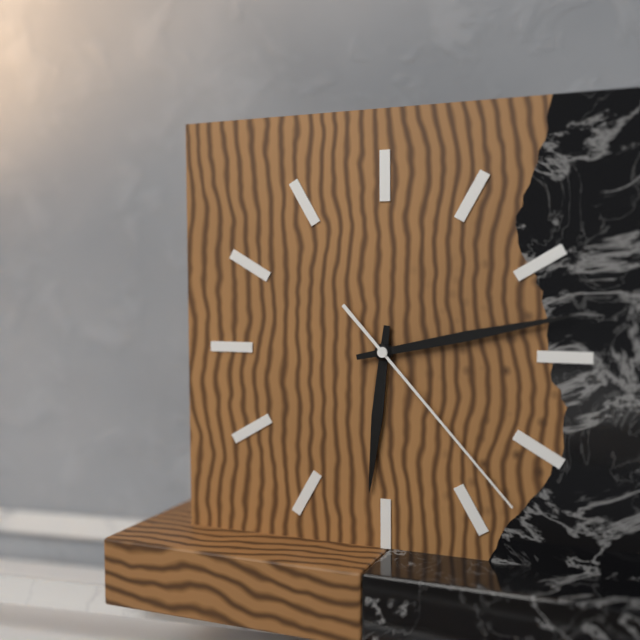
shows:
6,13,23
